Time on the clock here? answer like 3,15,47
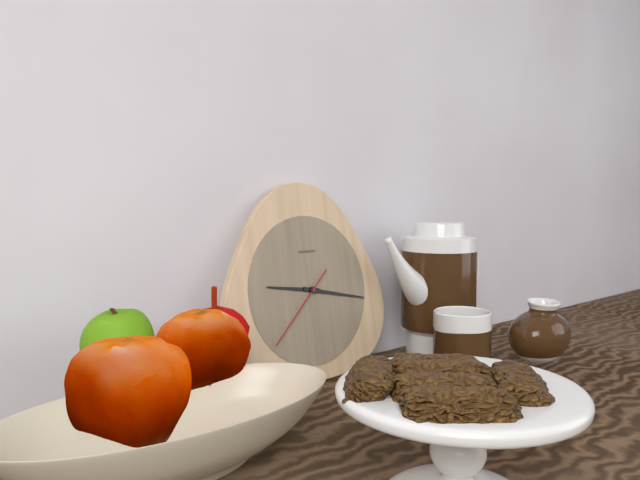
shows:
9,17,38
